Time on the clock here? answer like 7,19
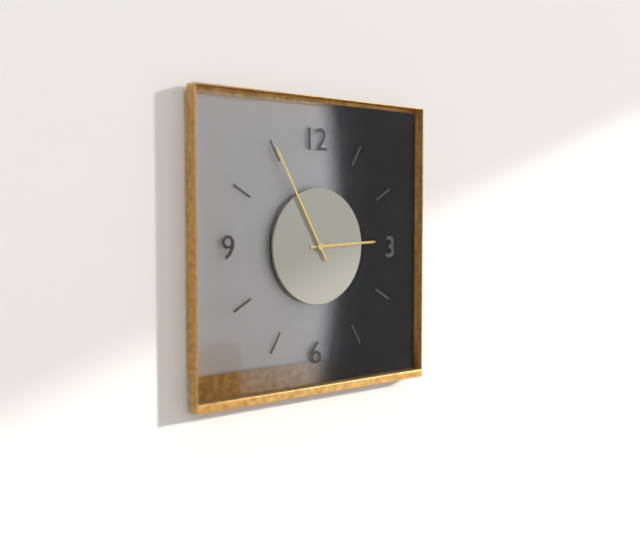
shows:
2,55
